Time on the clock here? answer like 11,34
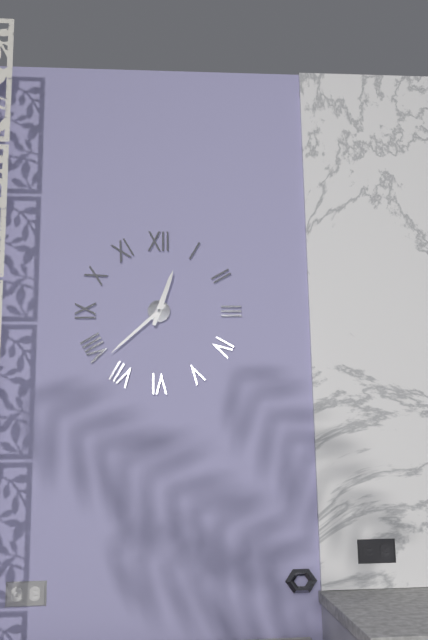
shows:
12,38
